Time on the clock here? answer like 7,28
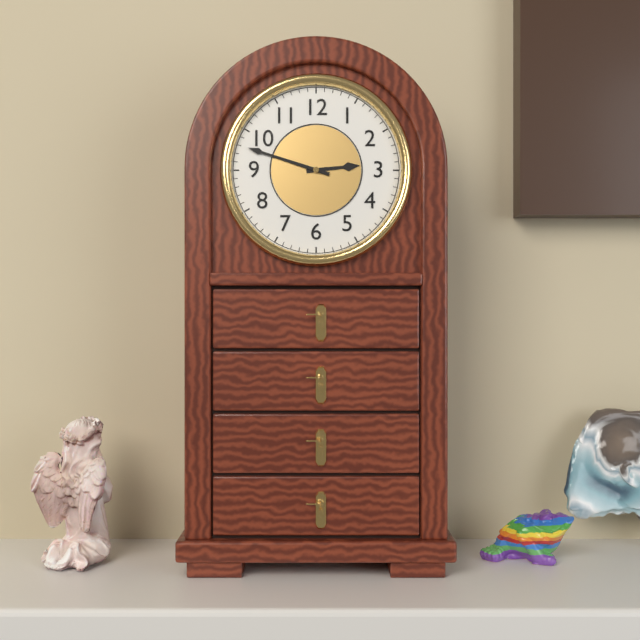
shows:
2,48
